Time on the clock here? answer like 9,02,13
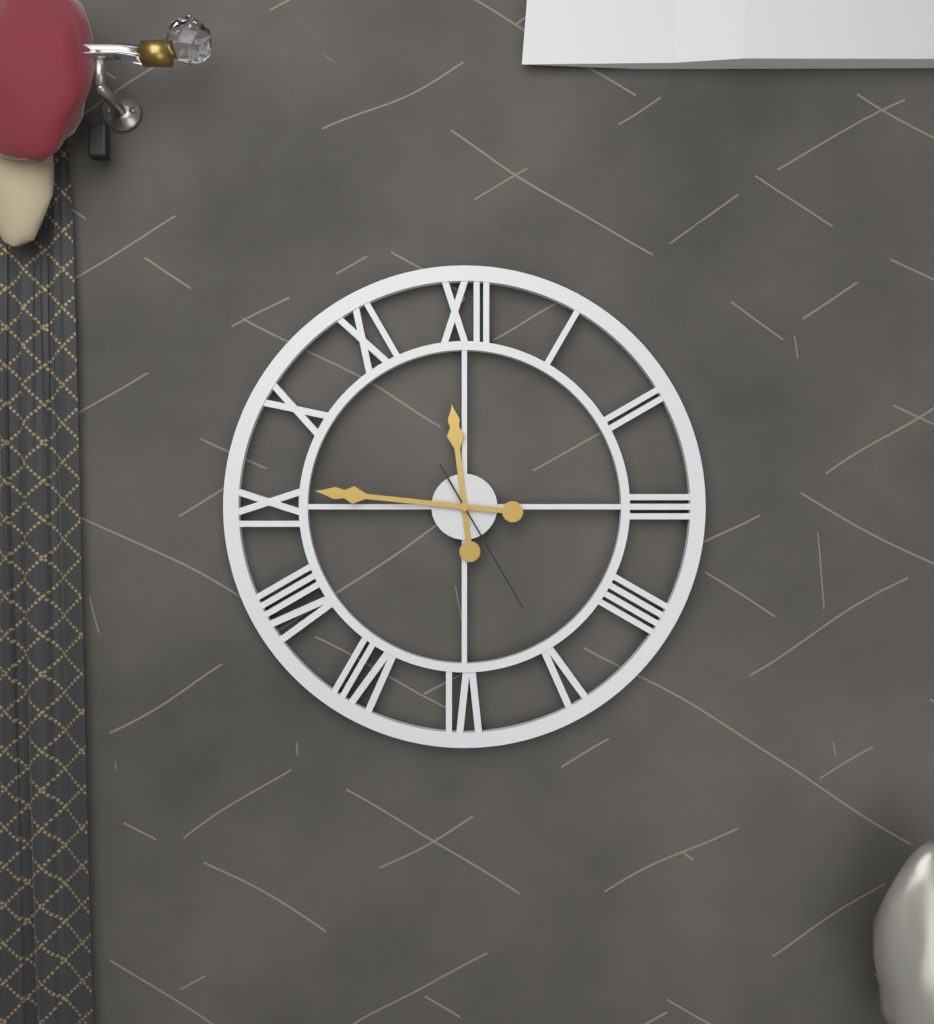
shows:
11,46,25
